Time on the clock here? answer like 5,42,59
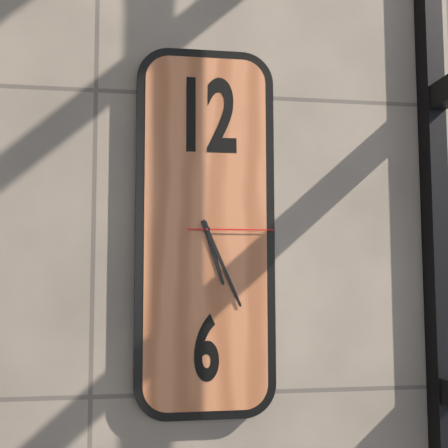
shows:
5,26,15
